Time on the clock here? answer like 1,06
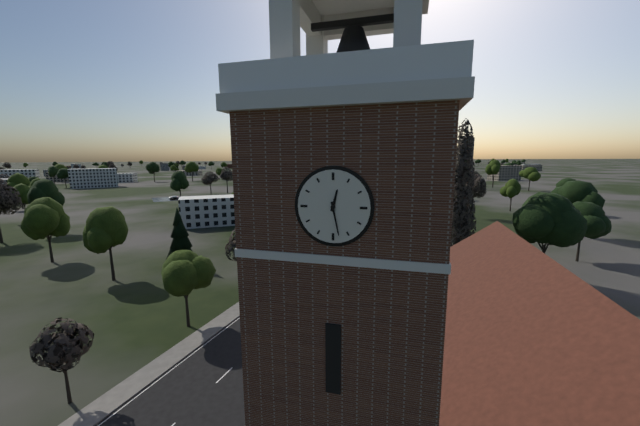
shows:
12,28
